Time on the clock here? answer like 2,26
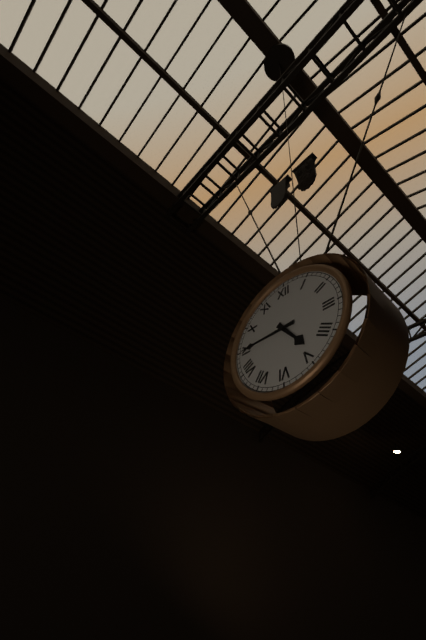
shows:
4,45
